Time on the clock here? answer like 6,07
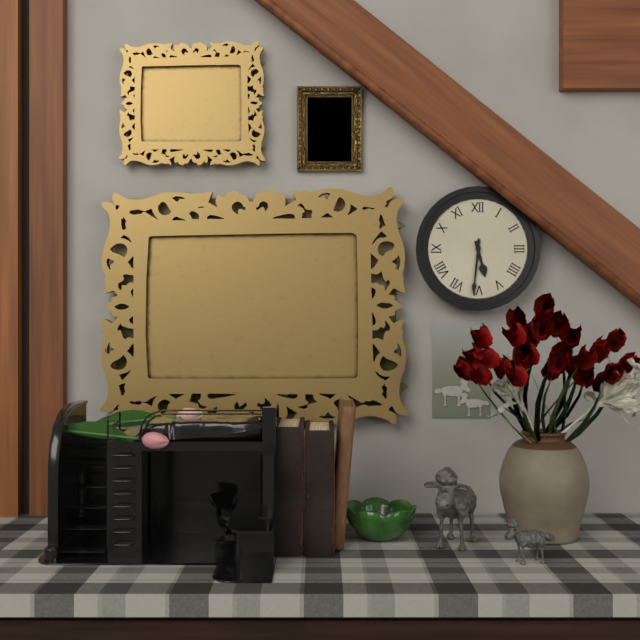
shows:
5,31
